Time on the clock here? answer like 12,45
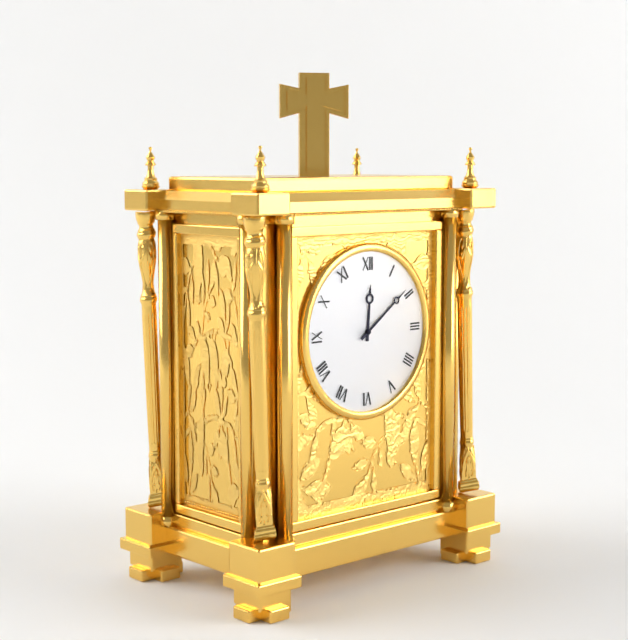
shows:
12,09
